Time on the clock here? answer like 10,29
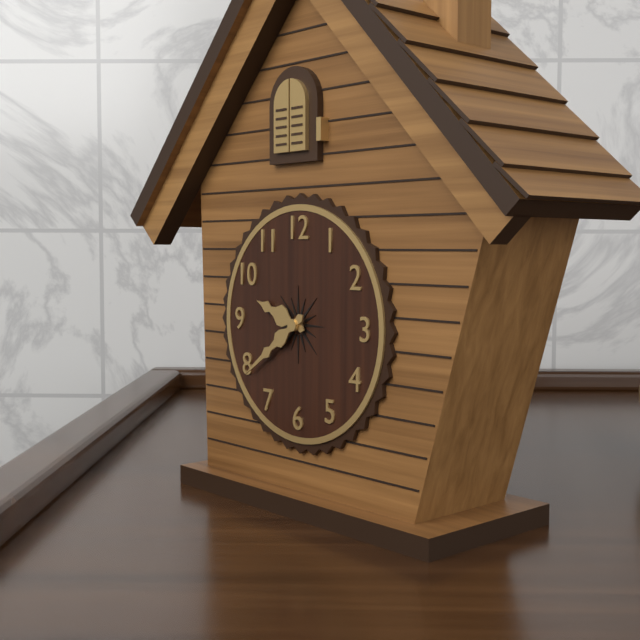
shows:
9,39
